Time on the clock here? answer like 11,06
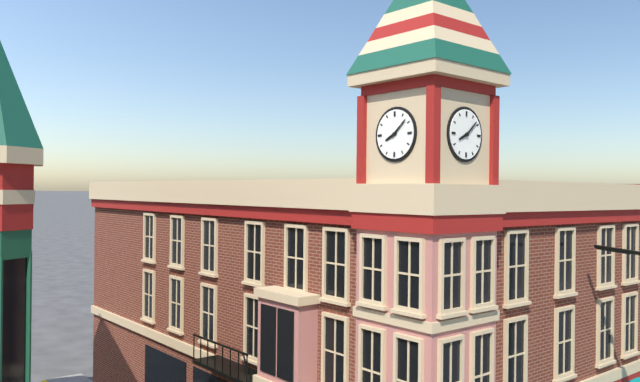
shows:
8,08
